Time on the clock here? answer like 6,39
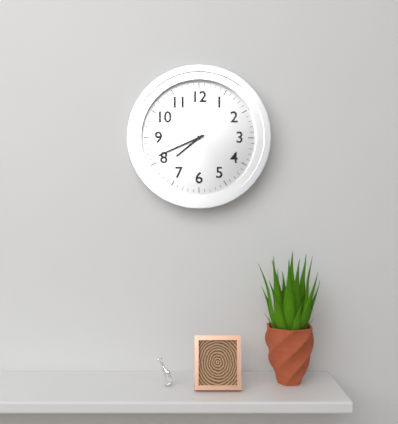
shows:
7,41
